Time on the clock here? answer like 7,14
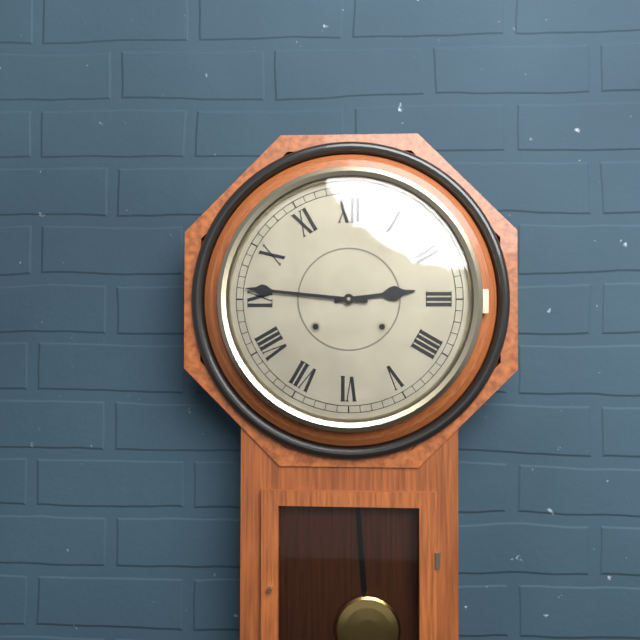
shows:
2,46
